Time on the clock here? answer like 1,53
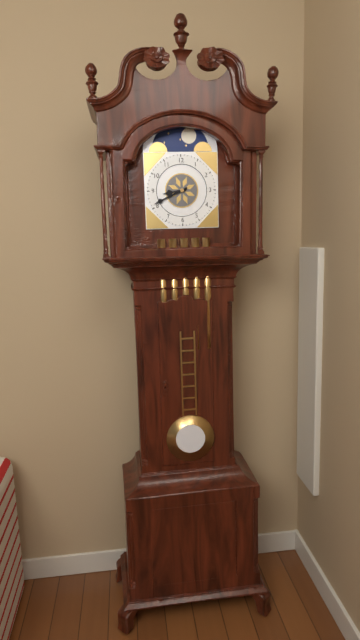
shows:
8,41
